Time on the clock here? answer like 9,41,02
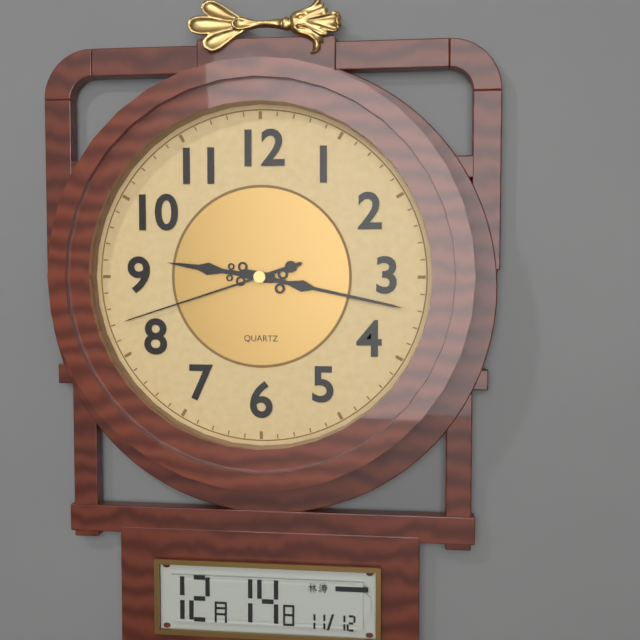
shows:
9,17,42
